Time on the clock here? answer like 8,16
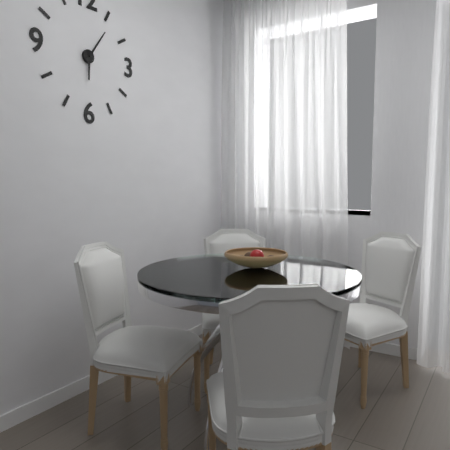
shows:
6,06
